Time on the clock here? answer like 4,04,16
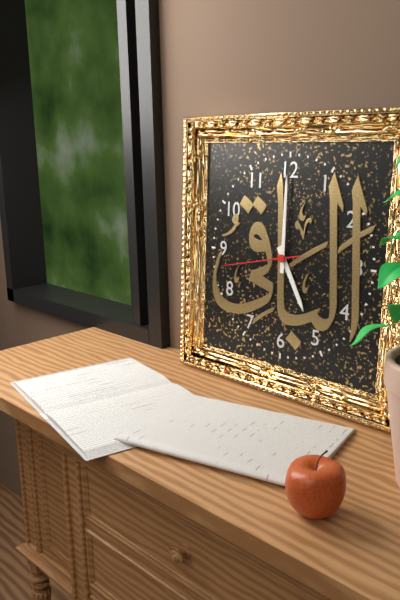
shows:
5,00,43
